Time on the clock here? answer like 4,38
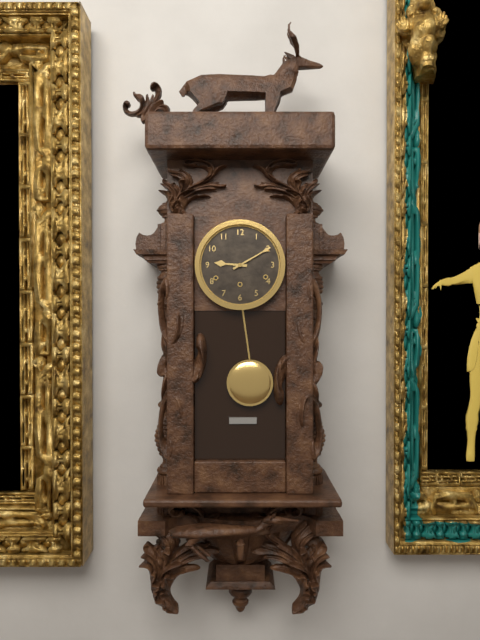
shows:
9,10
